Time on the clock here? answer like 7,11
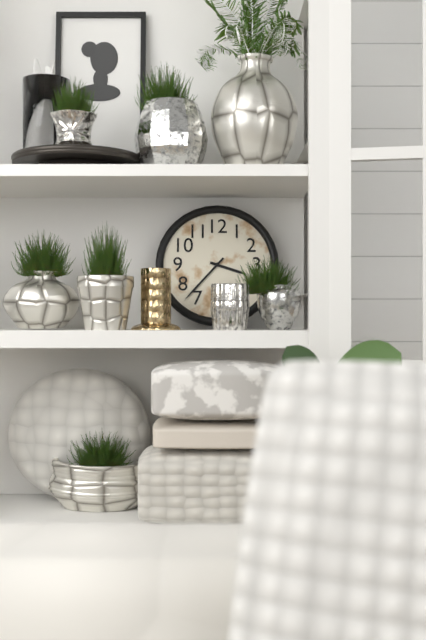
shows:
3,37
